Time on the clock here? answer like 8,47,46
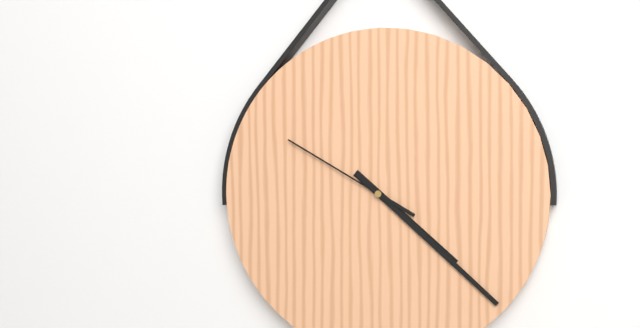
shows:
4,22,50
